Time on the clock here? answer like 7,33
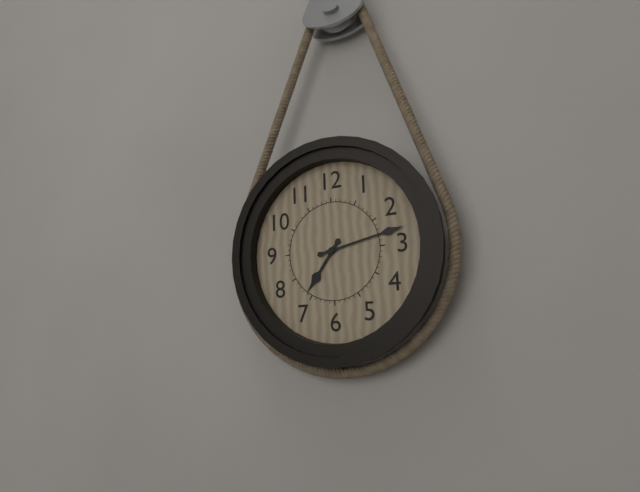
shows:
7,13
